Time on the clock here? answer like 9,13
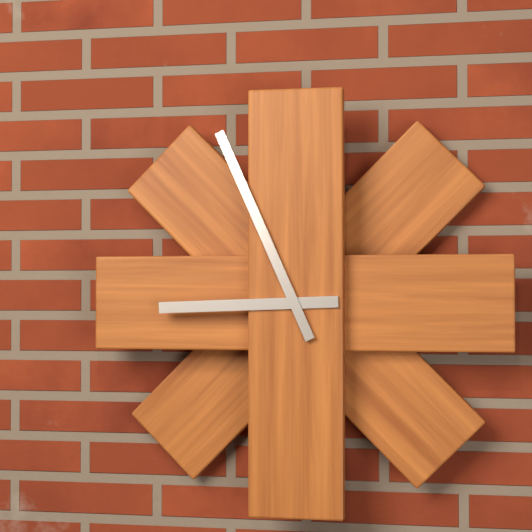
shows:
8,56
